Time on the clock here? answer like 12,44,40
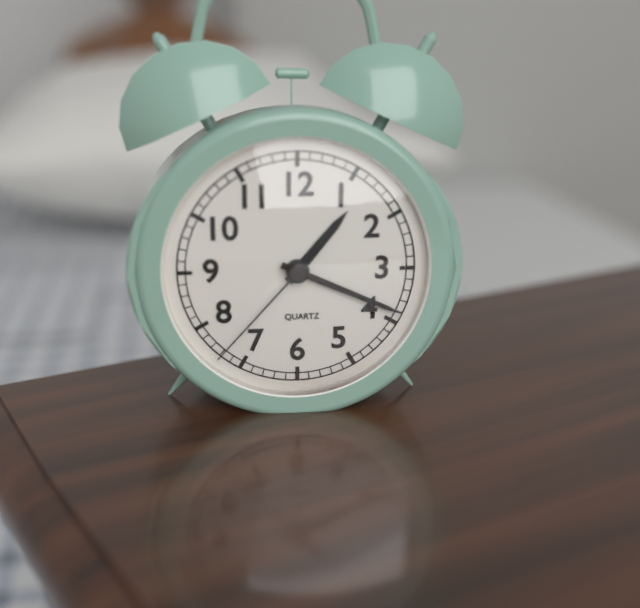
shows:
1,19,37
